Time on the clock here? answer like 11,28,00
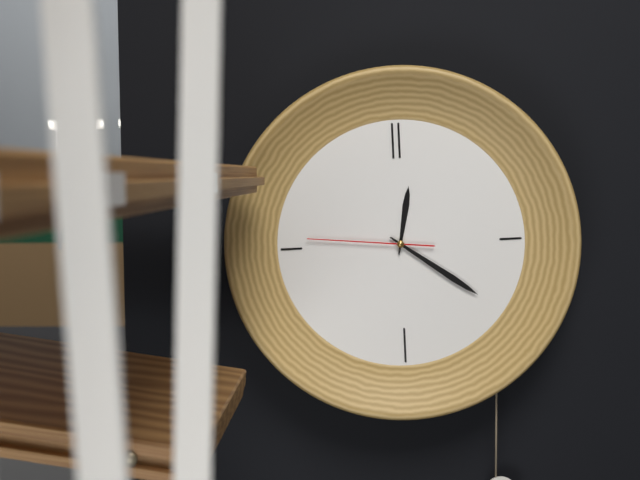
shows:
12,21,46
